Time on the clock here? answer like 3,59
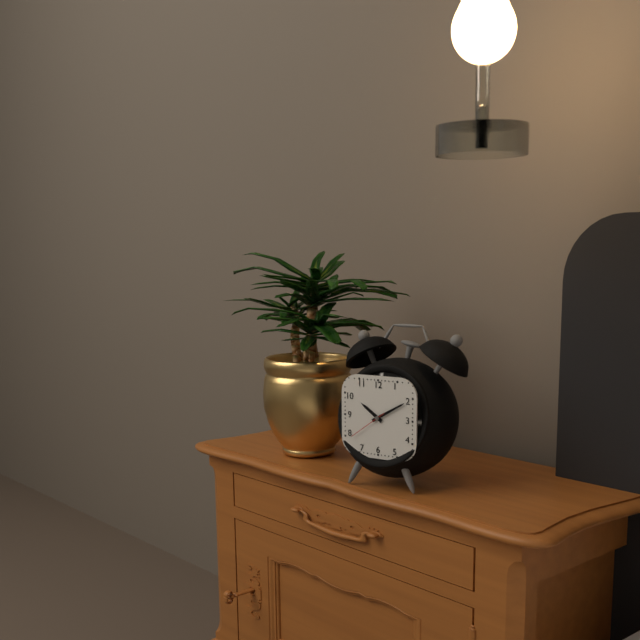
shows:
10,10
